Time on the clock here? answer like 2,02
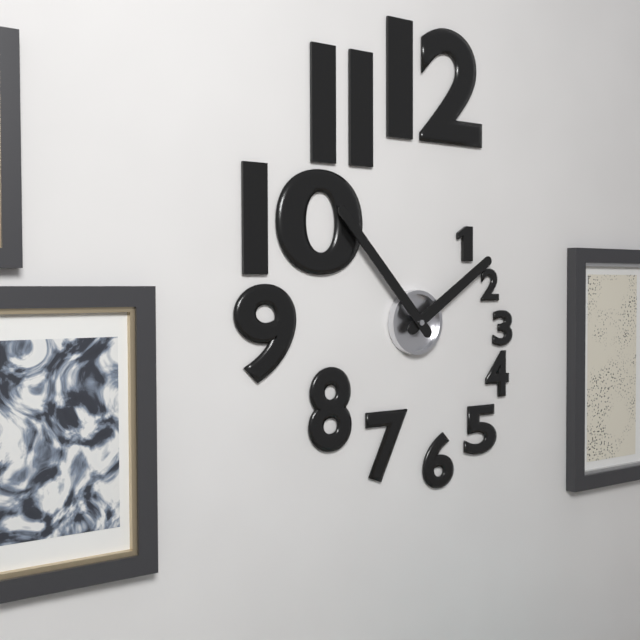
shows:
1,53
